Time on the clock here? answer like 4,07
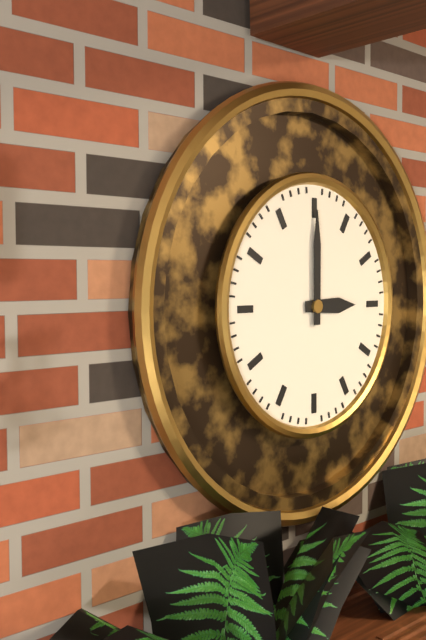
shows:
3,00
